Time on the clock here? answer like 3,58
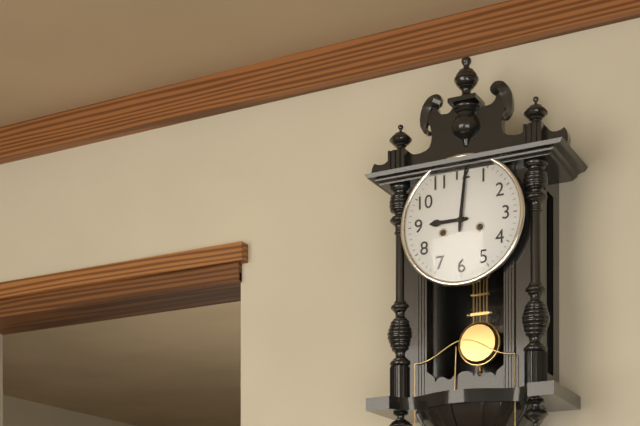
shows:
9,01
